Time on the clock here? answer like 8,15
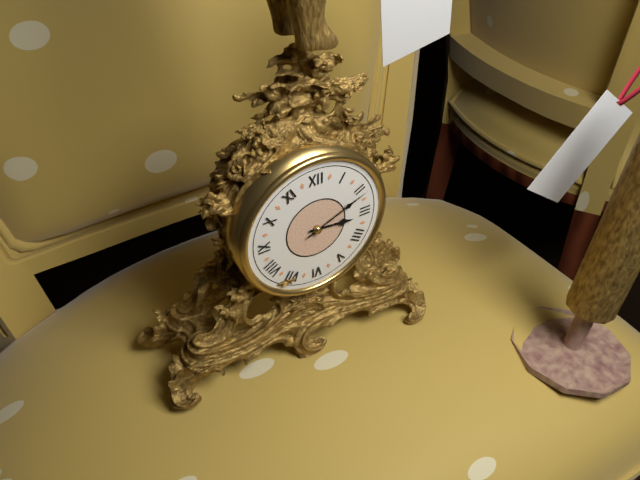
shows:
3,11
